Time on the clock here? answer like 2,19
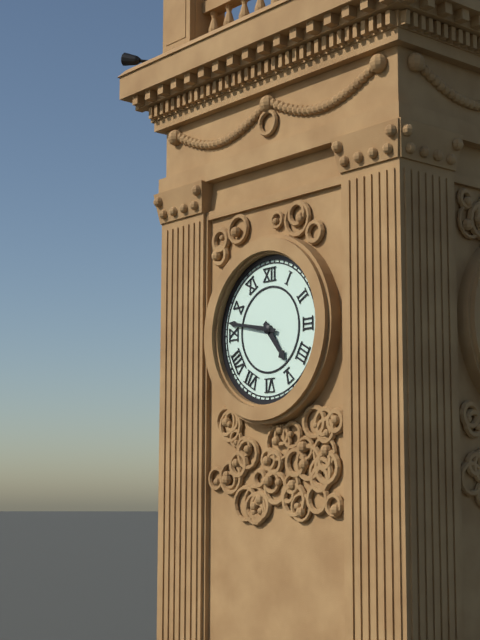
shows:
4,47
